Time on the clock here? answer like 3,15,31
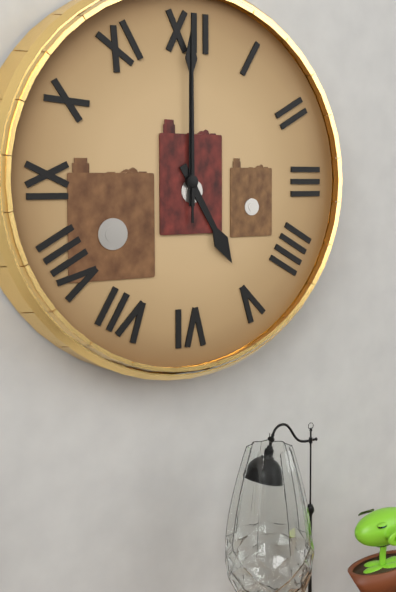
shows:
5,00,00
